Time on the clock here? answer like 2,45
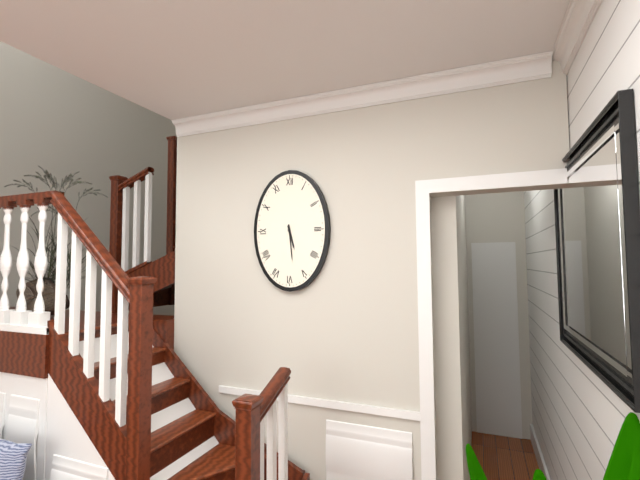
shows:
5,29
